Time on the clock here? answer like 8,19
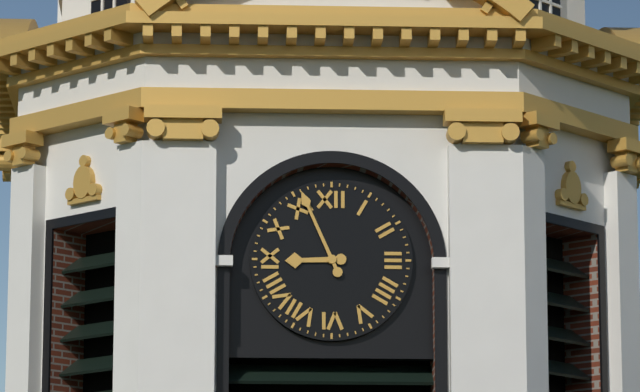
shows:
8,56
